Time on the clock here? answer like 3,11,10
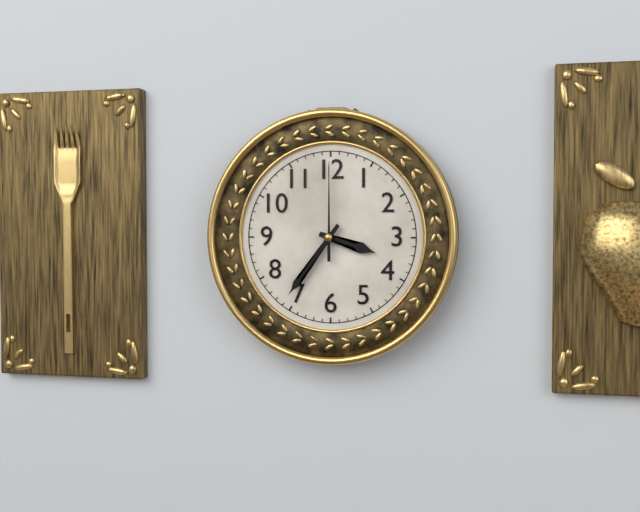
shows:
3,36,00
